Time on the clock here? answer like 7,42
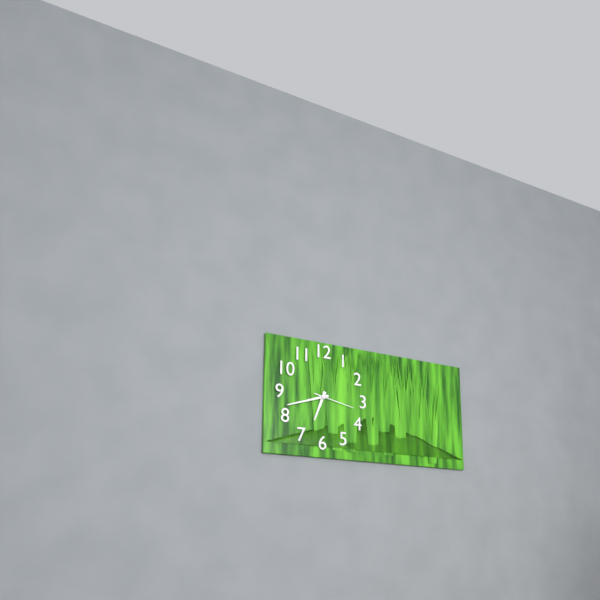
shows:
6,42
